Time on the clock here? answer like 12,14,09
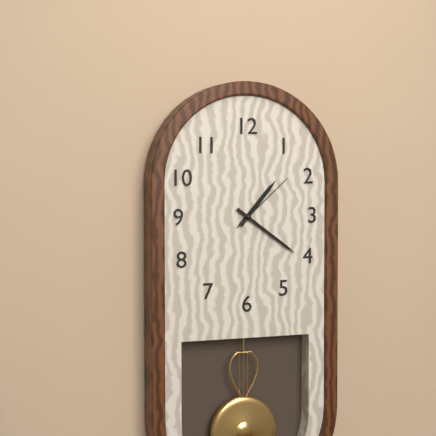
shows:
1,21,08
